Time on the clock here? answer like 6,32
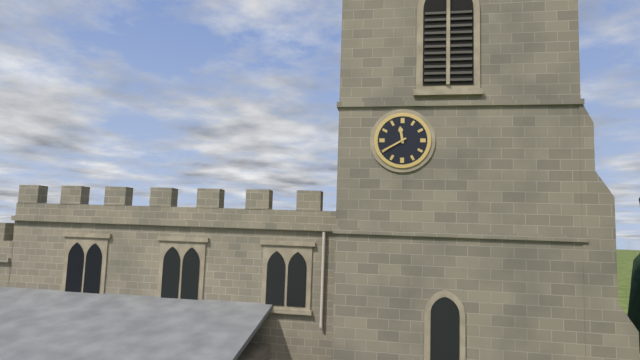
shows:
11,40
